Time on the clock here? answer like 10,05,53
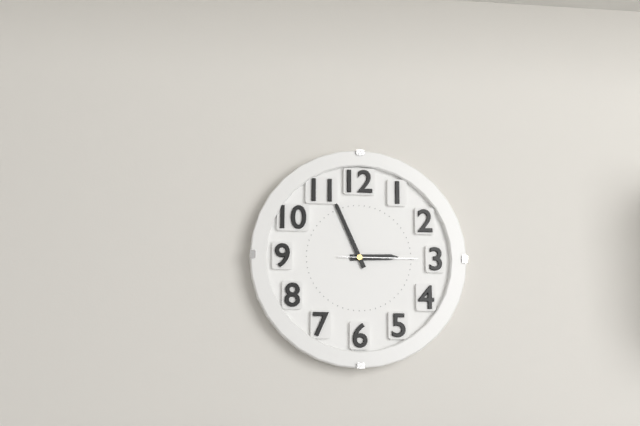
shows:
2,56,15
